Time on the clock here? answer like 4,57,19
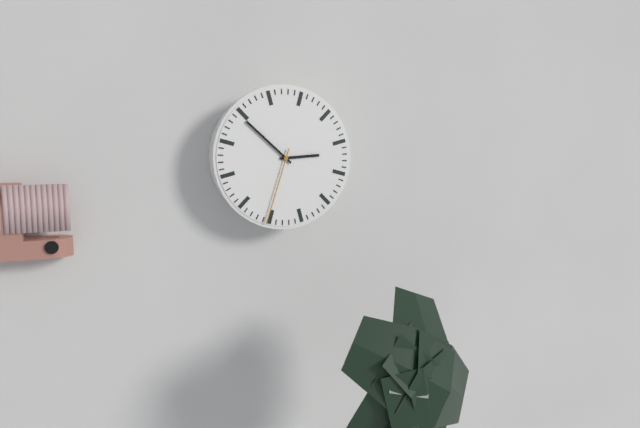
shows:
2,52,33
